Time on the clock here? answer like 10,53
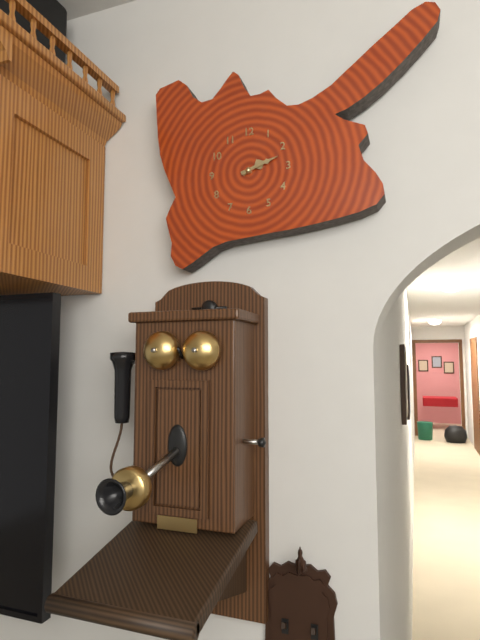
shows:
2,12
